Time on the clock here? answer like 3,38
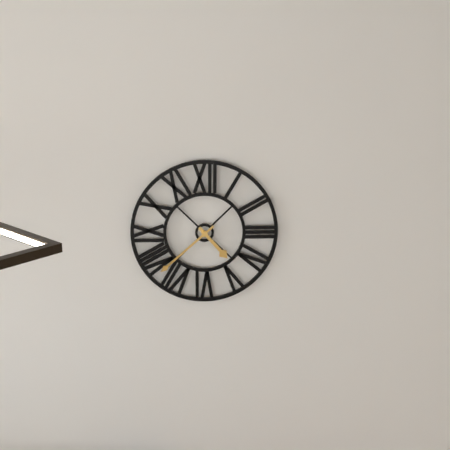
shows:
4,38
